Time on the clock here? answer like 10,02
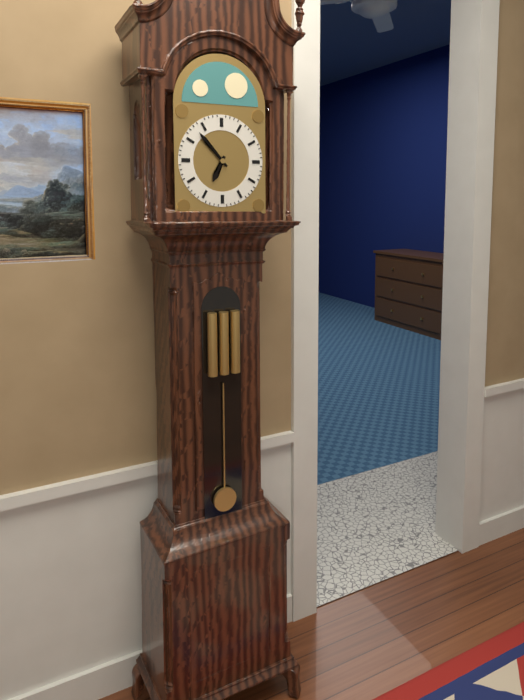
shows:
6,53
